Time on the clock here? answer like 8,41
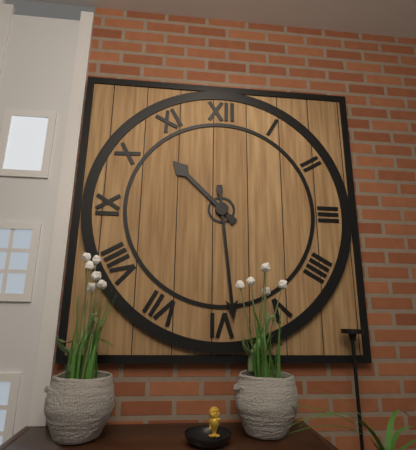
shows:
10,29
